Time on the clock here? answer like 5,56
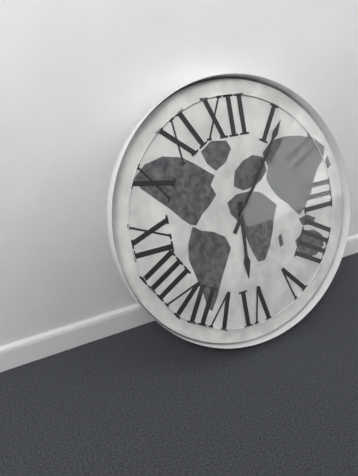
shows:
6,06
